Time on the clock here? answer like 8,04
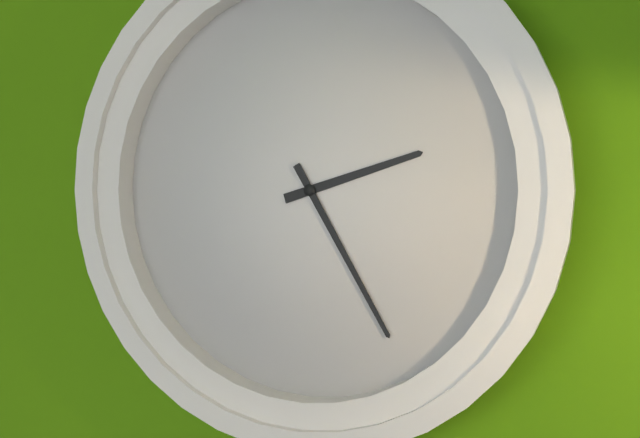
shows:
2,25
